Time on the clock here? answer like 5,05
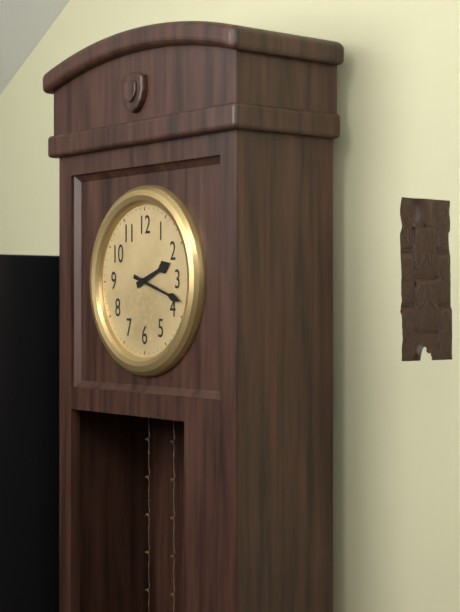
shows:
2,18
